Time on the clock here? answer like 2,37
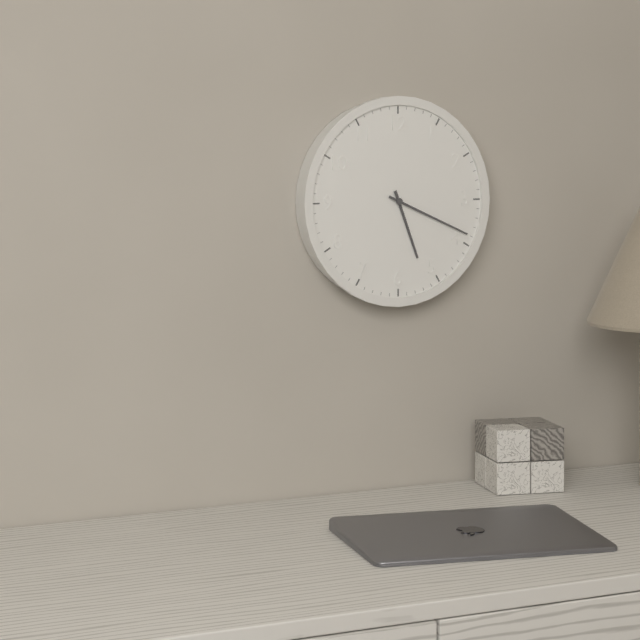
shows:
5,19
